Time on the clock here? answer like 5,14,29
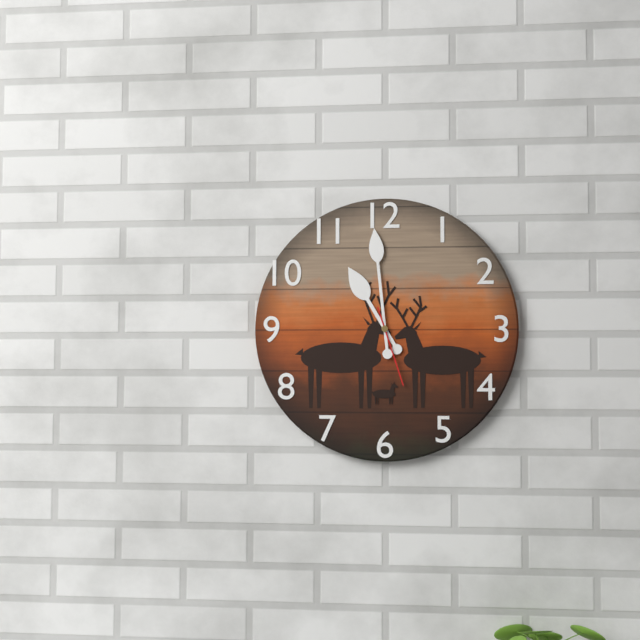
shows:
10,59,27
